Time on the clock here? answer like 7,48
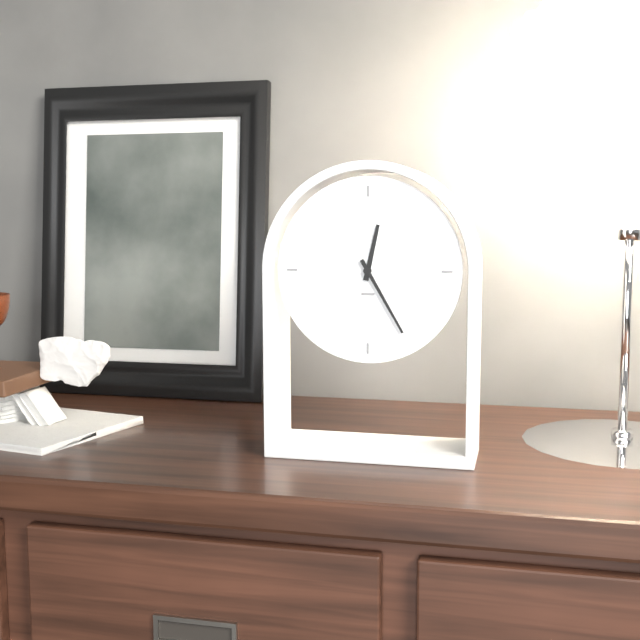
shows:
12,25
